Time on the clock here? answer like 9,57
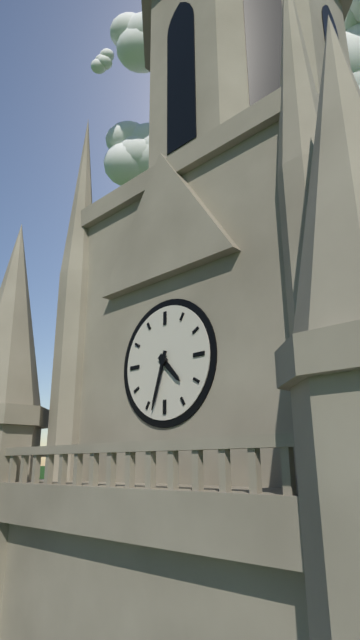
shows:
4,33
